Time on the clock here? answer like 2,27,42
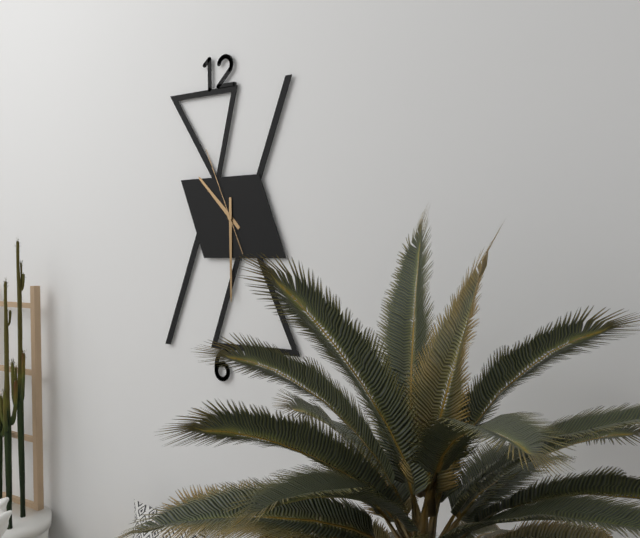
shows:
10,30,56
